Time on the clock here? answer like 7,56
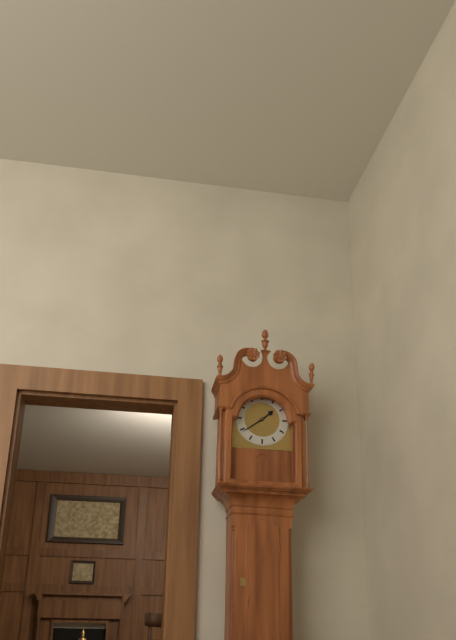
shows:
1,39
